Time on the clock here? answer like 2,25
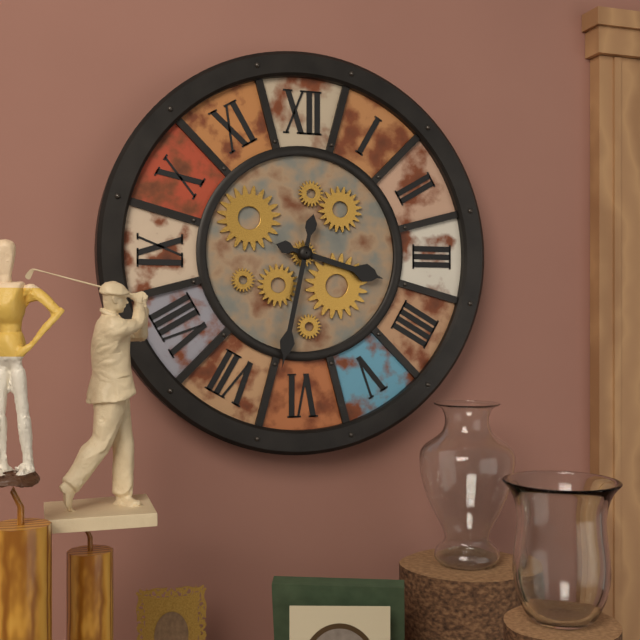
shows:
3,32
